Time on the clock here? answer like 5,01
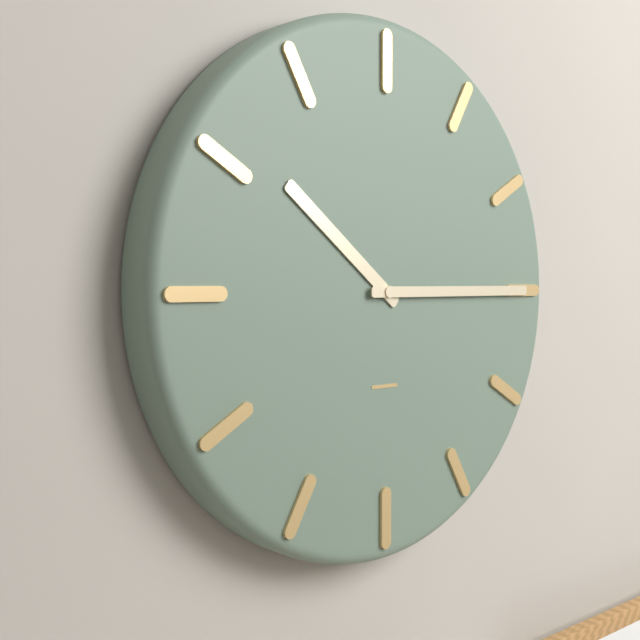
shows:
10,15
